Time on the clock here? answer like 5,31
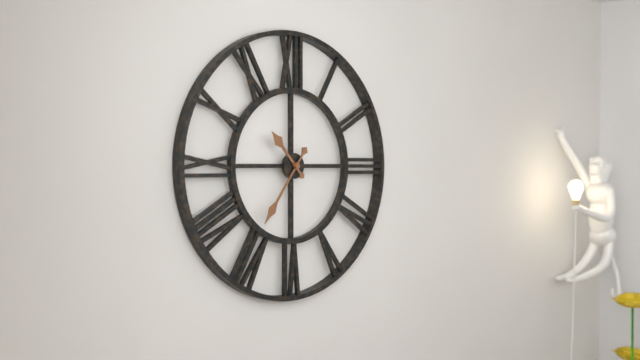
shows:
10,36
